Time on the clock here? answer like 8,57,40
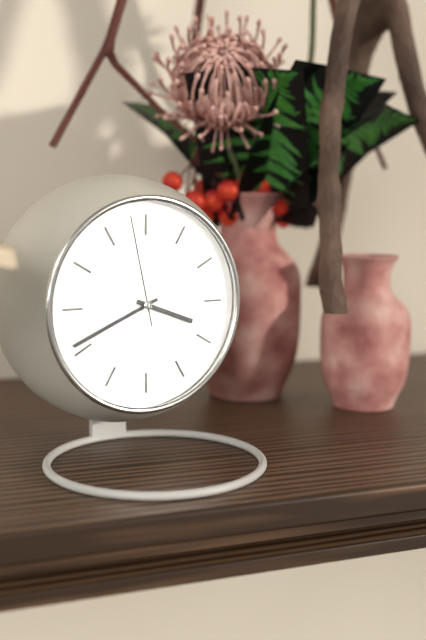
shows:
3,41,58
